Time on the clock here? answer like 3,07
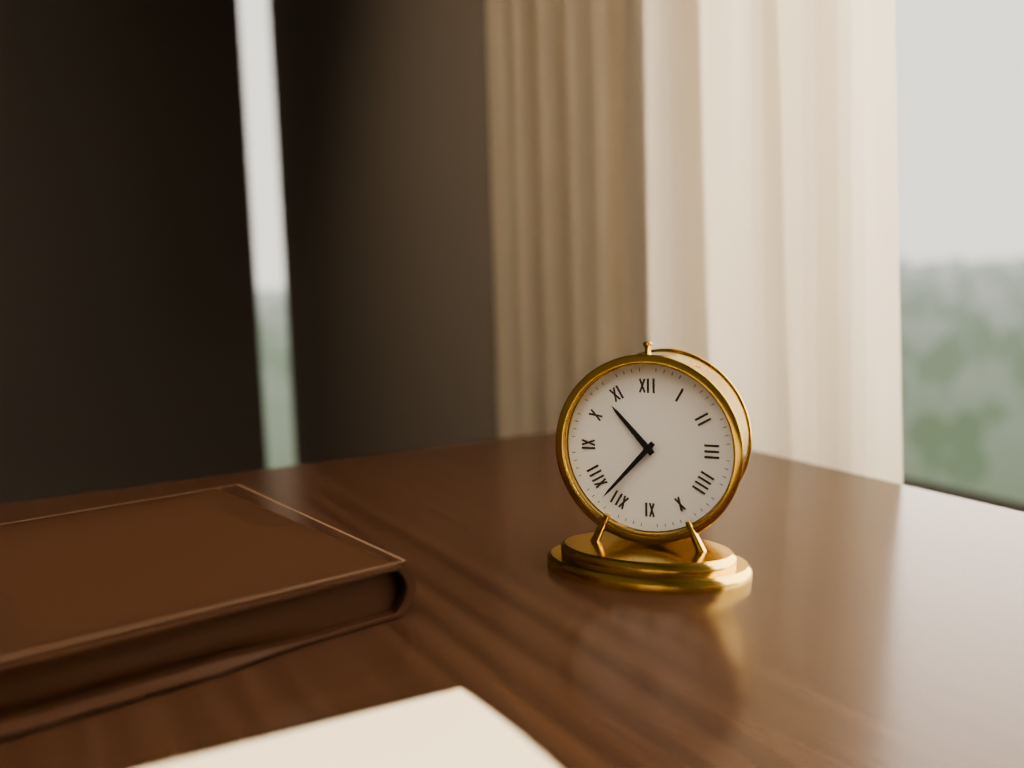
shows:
10,37
